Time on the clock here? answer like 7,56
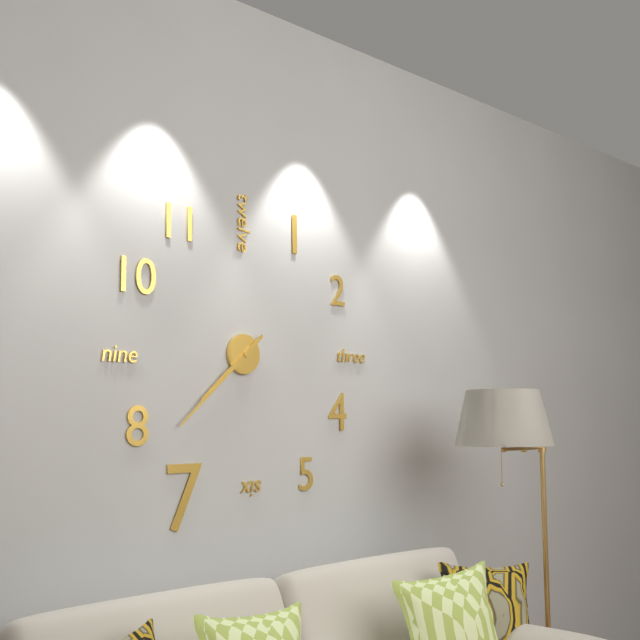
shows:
7,38
